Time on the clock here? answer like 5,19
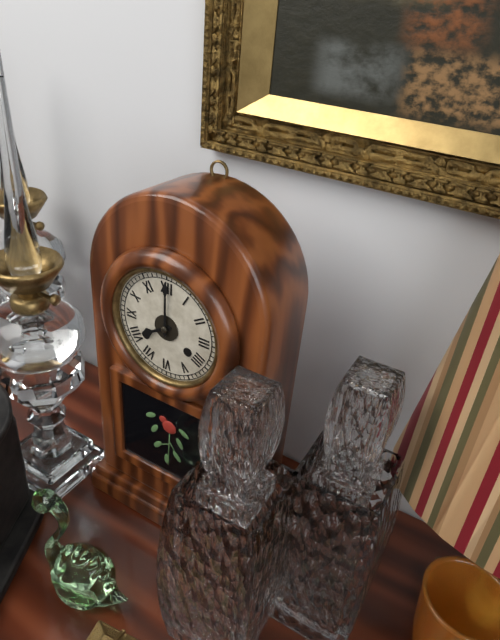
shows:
8,00
